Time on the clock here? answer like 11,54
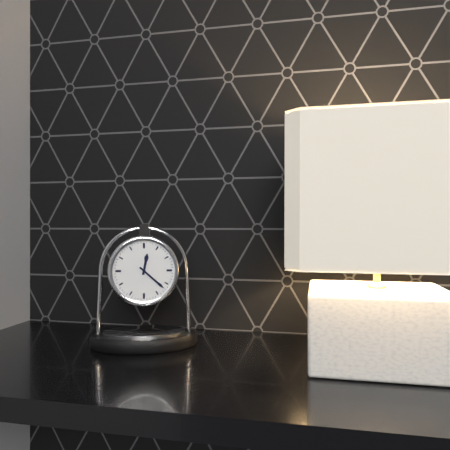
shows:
12,22
